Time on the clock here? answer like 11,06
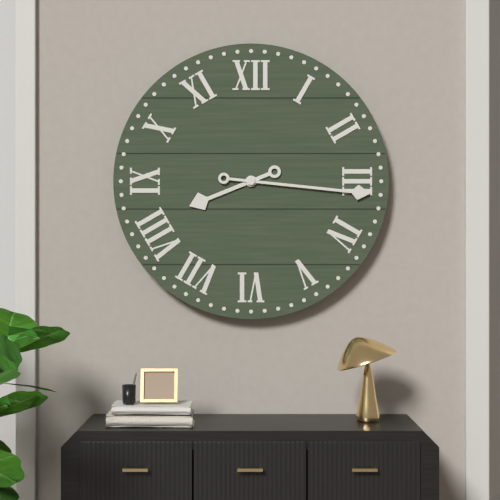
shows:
8,16
